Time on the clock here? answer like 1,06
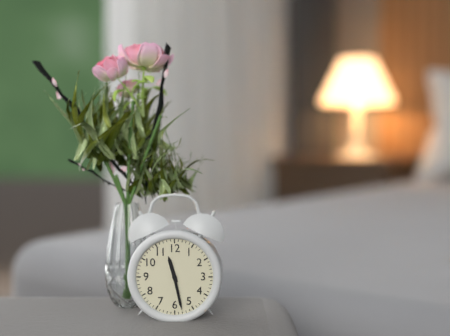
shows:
11,28
